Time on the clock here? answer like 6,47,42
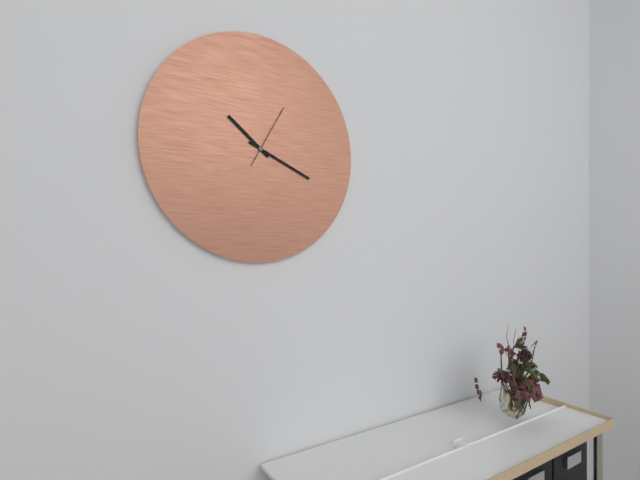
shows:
10,19,05
